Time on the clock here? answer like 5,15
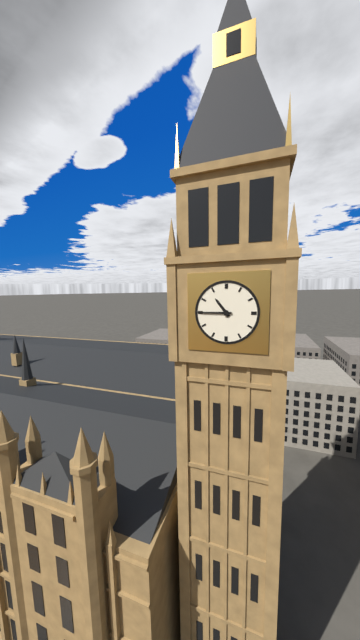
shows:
10,45
